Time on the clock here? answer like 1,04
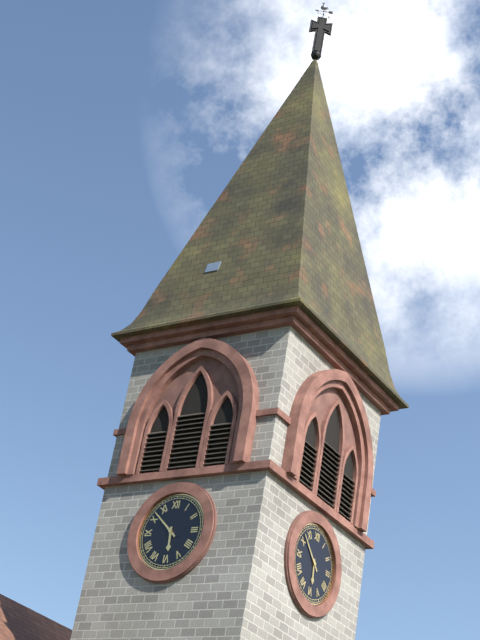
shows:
5,52
